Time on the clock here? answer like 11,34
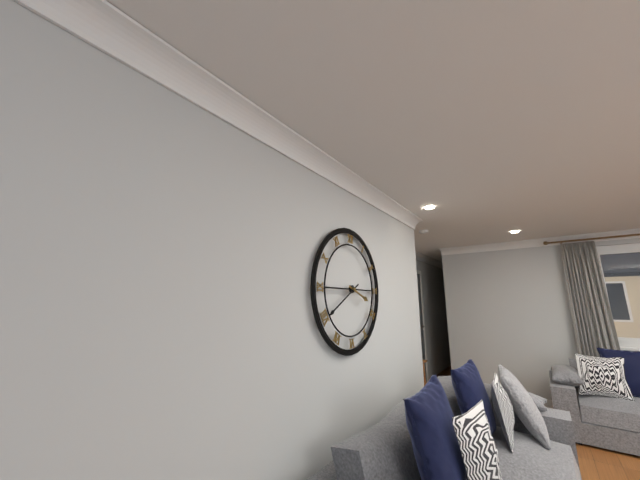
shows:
3,40
